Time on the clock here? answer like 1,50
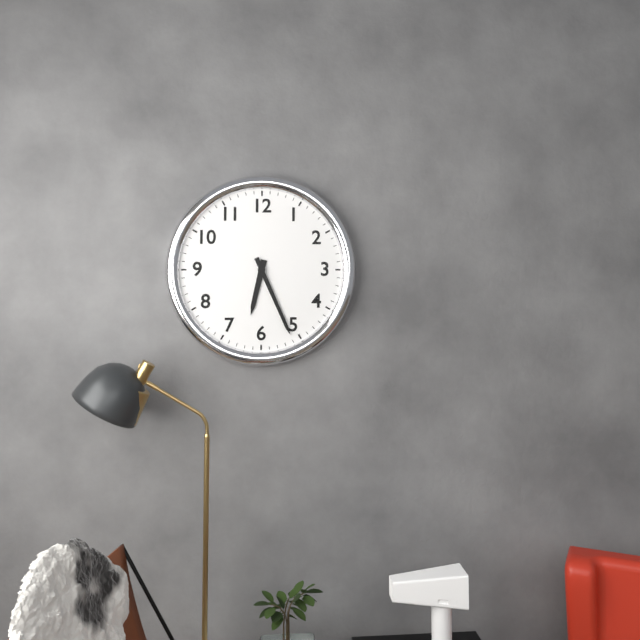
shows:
6,26
